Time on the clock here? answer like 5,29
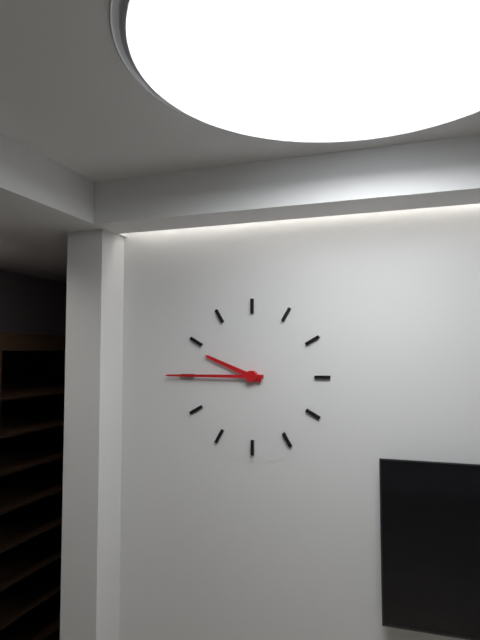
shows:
9,45
